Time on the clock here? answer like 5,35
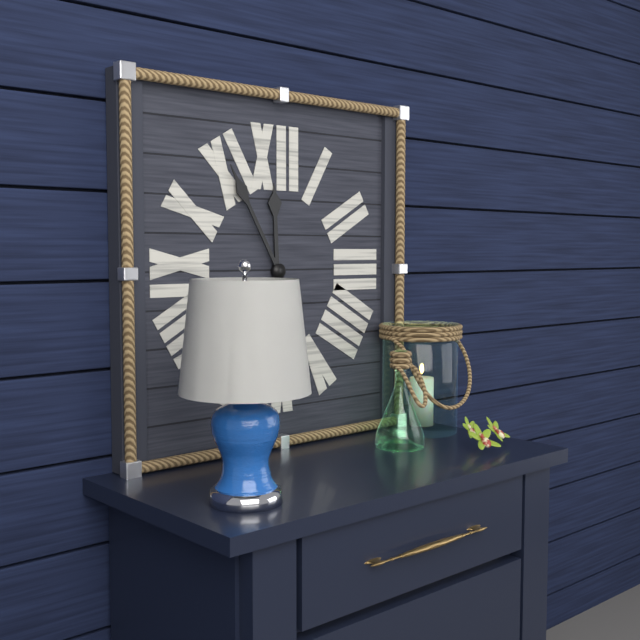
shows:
11,55
